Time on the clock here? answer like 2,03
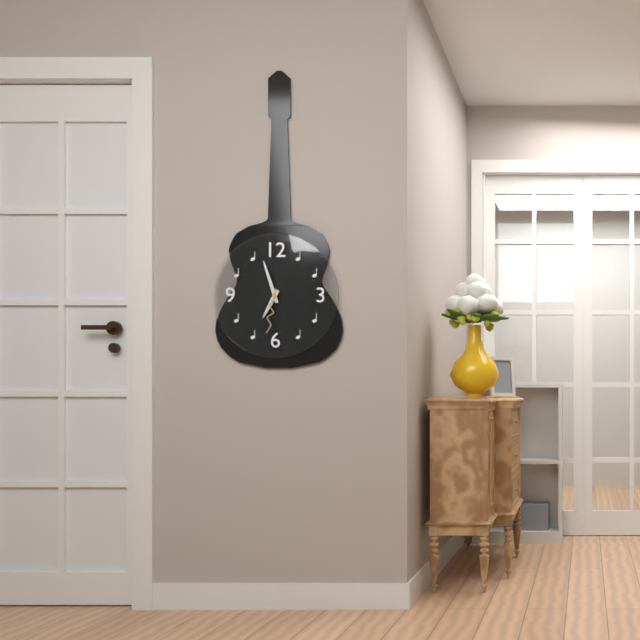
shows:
6,57
